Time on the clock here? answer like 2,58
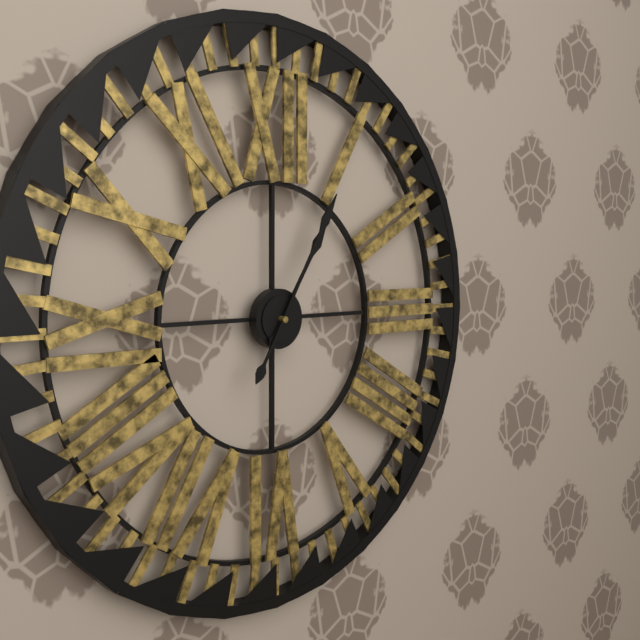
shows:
1,05
